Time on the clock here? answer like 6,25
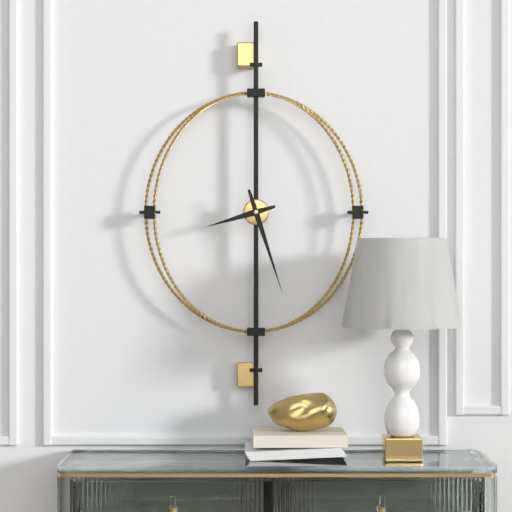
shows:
8,27
